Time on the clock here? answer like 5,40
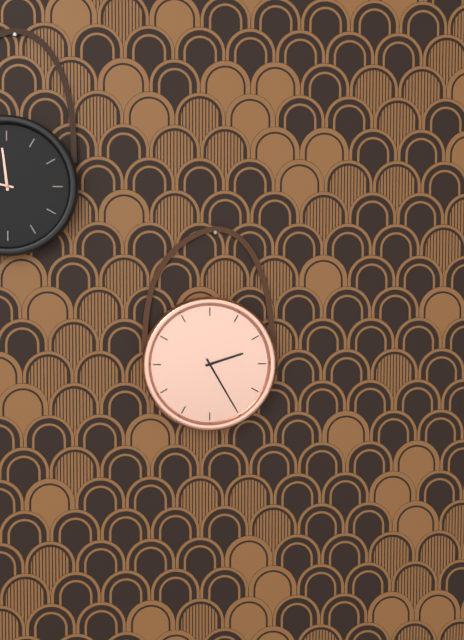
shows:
2,25
